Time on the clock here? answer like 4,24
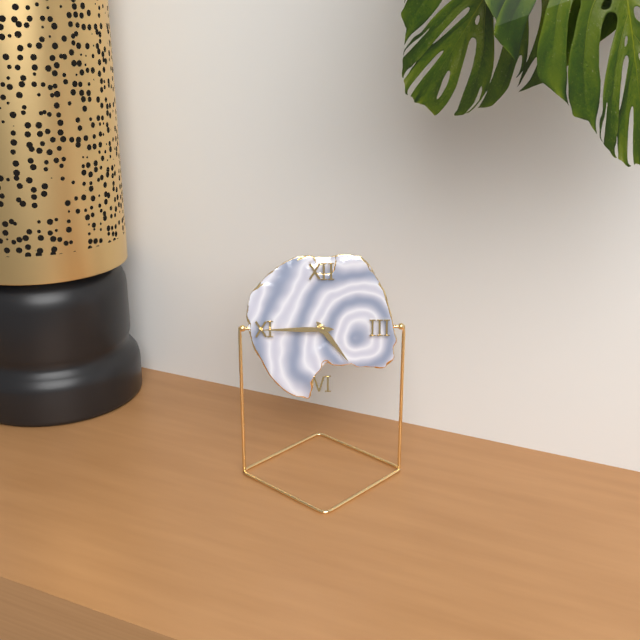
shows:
4,45
